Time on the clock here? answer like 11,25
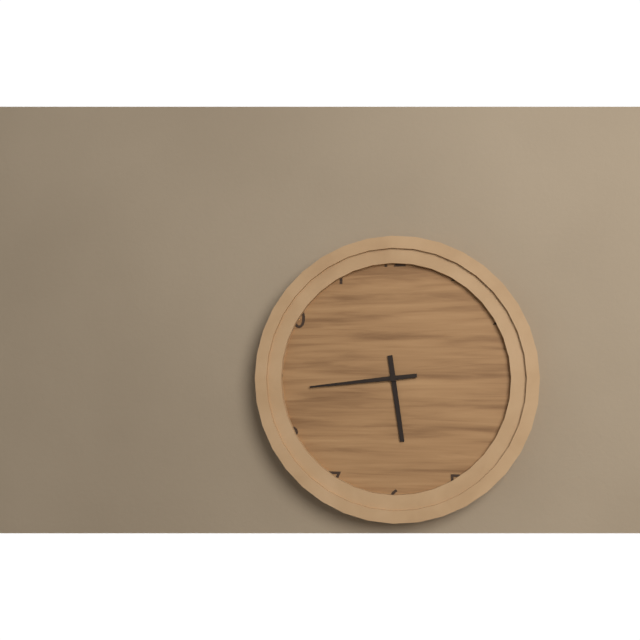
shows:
5,44
